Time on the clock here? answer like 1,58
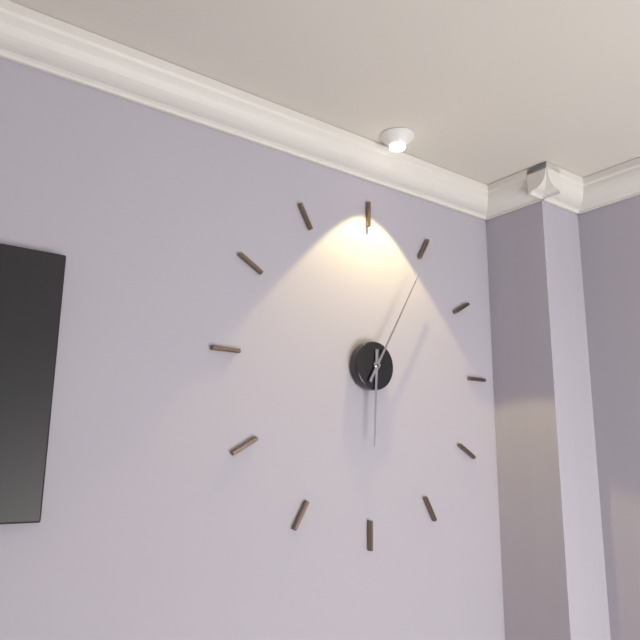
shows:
6,05
